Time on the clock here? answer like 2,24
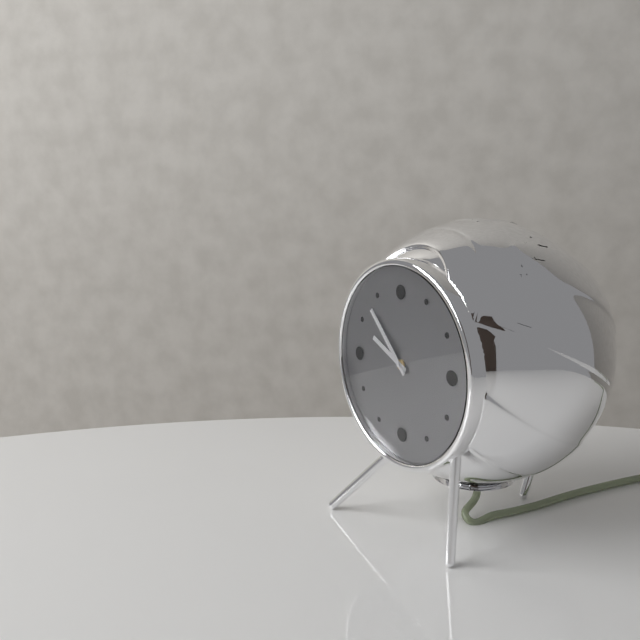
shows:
9,53
